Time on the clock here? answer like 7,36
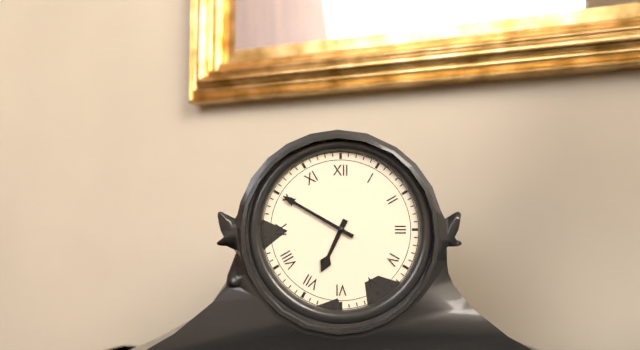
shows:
6,50
